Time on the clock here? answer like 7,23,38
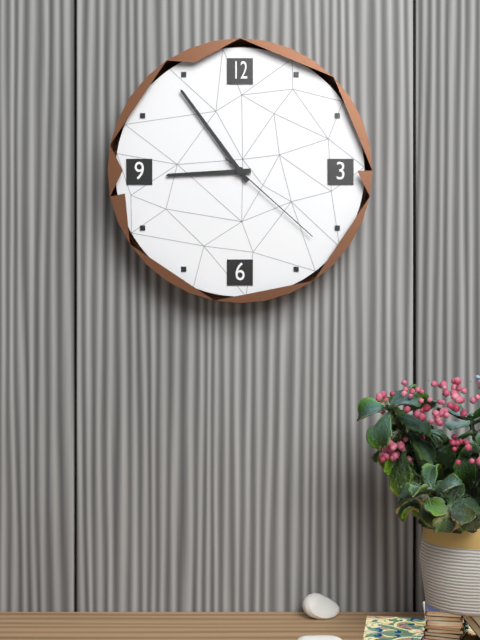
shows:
8,54,22
